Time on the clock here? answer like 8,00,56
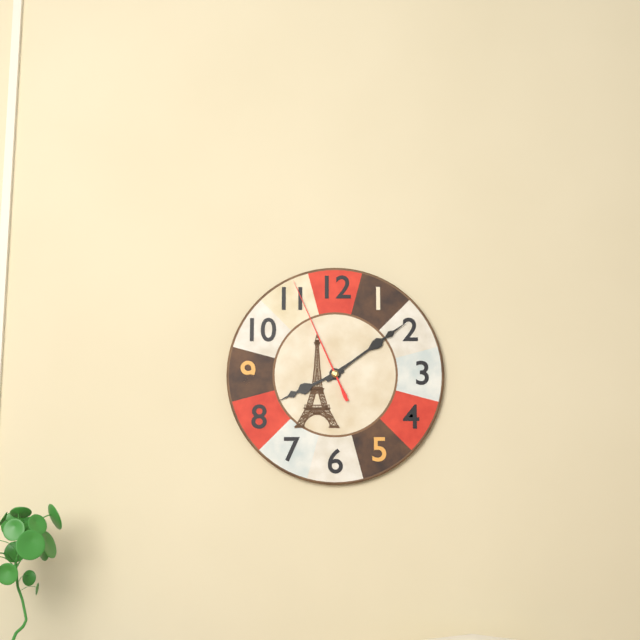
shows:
8,09,56
